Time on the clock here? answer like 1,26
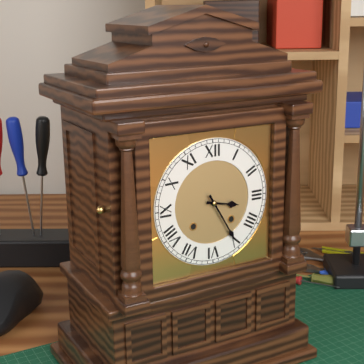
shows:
3,25
